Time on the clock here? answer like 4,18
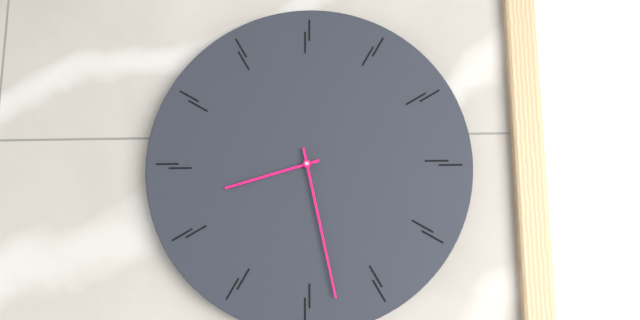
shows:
8,28
